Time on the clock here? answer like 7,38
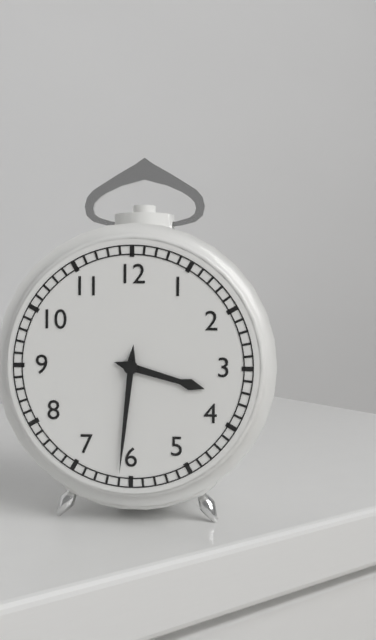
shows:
3,31
